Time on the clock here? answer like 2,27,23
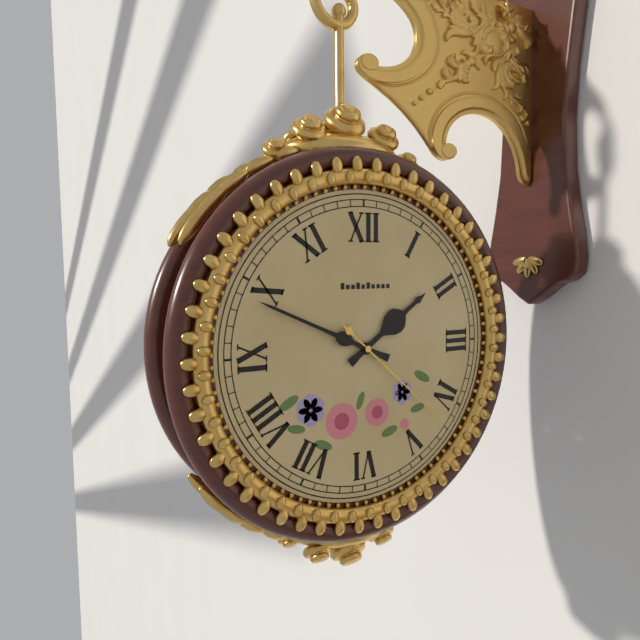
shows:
1,49,22
